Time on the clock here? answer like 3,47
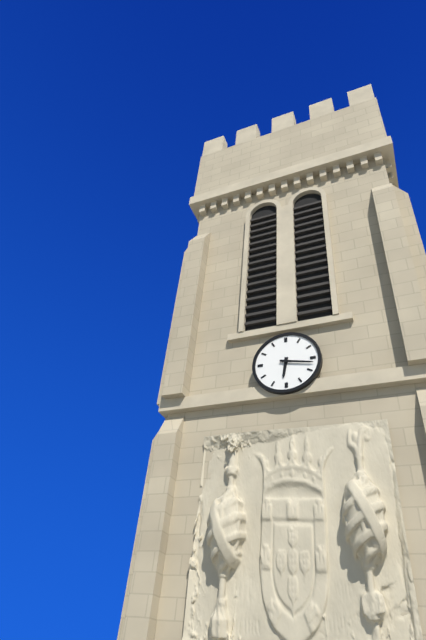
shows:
6,17
